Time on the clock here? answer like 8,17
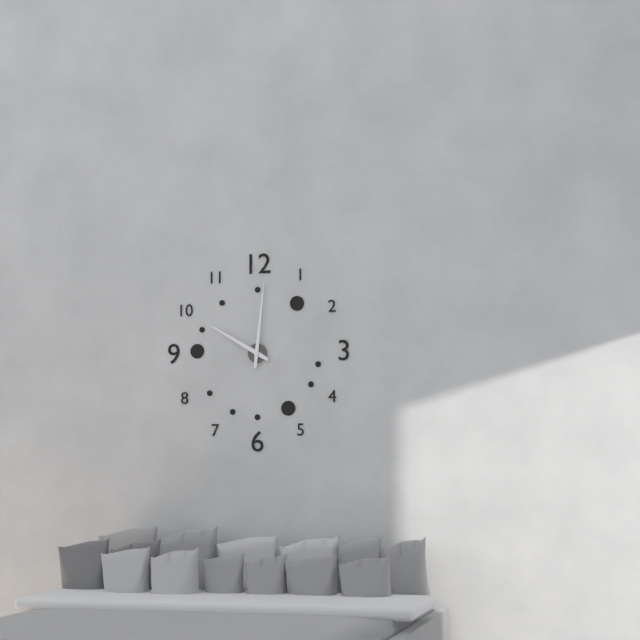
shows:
10,01
